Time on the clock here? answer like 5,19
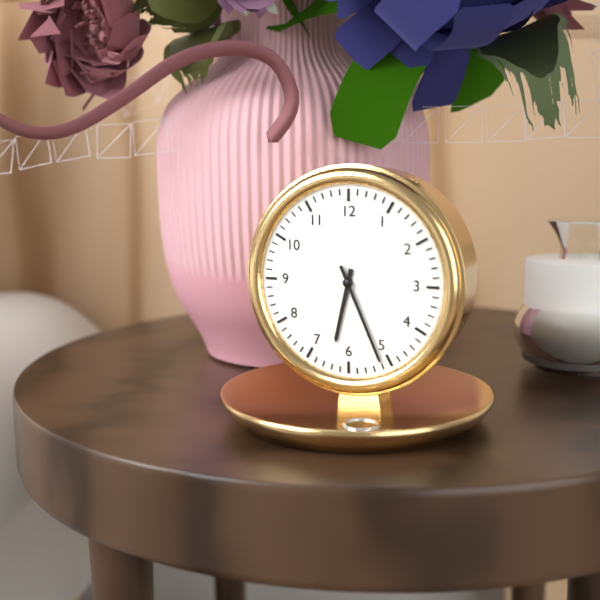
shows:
6,26
